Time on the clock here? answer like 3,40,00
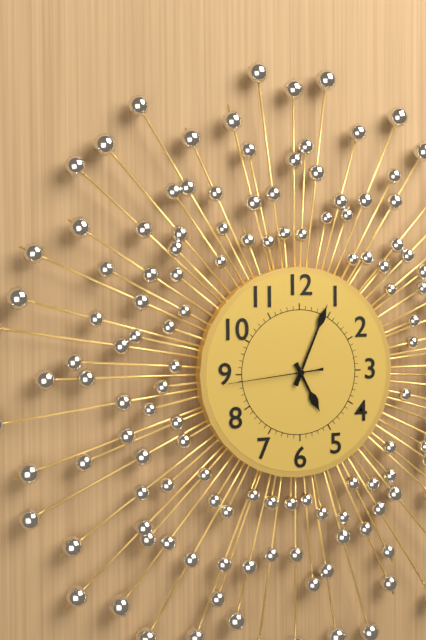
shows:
5,04,44
